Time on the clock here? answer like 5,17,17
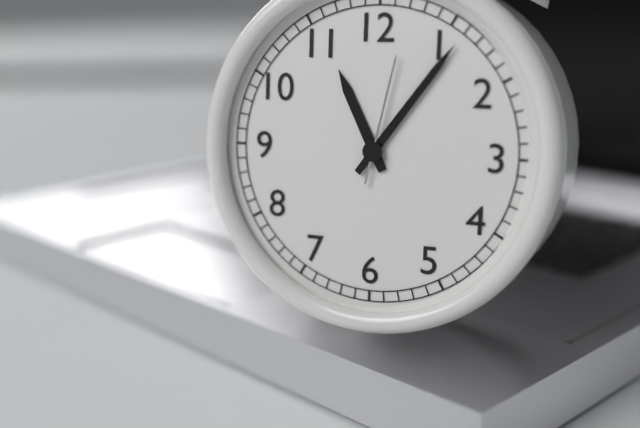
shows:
11,06,02
